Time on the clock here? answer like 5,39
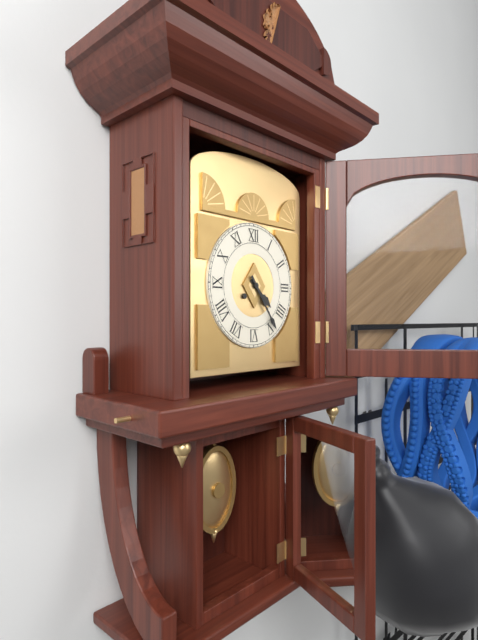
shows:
4,24
